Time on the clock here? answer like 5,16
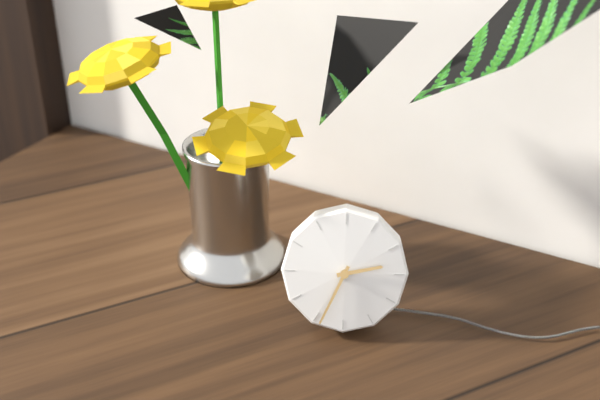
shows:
2,34
